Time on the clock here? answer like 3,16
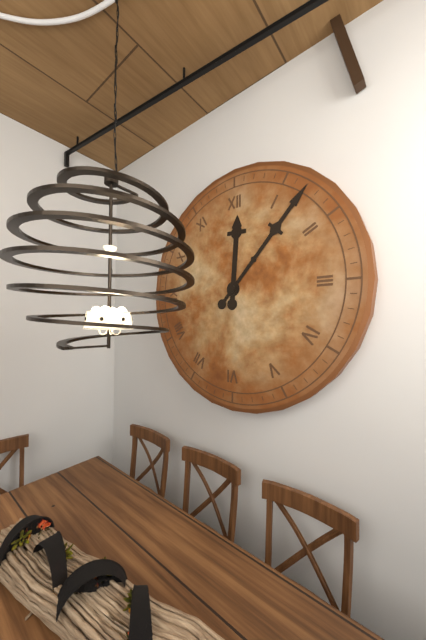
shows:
12,07
